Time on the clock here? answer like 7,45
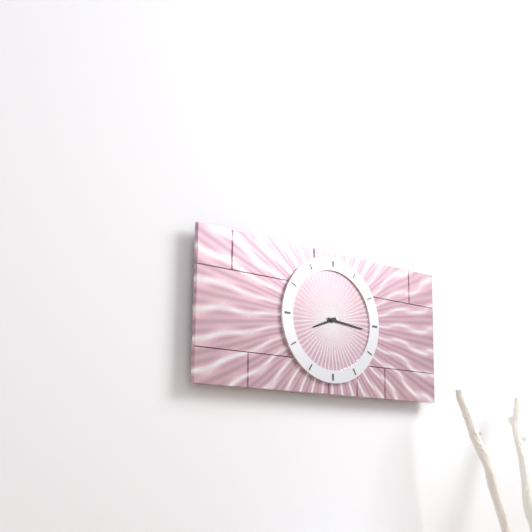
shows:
8,16
